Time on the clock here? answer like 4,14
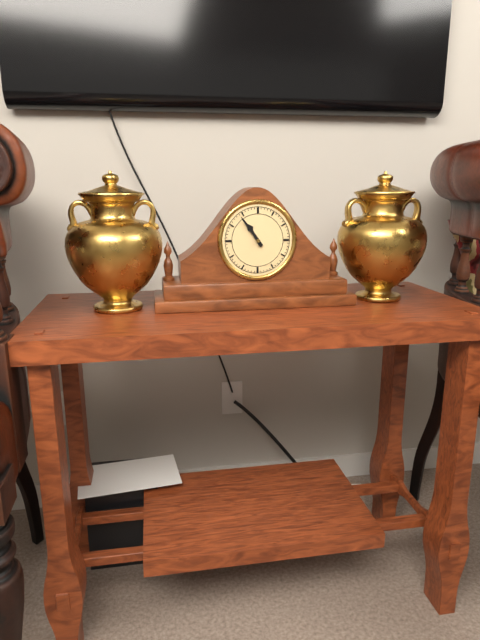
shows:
10,54
